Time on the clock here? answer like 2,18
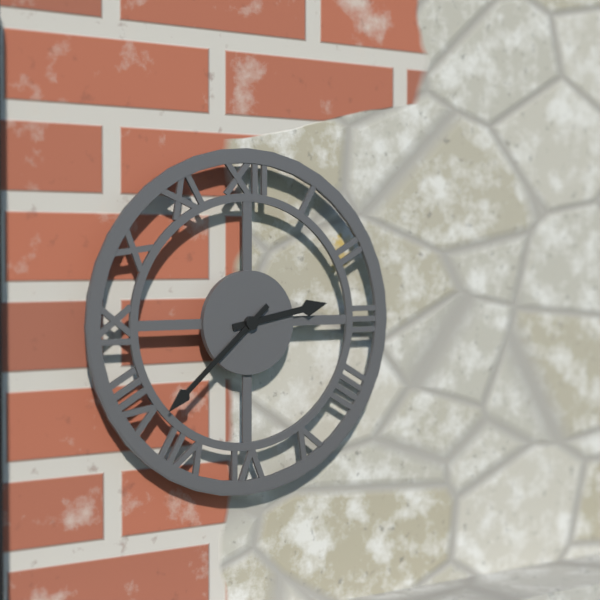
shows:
2,38
